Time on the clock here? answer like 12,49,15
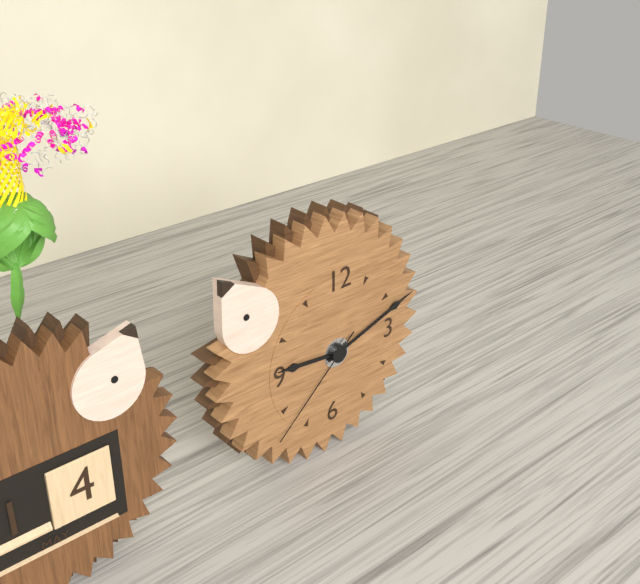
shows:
9,12,38
